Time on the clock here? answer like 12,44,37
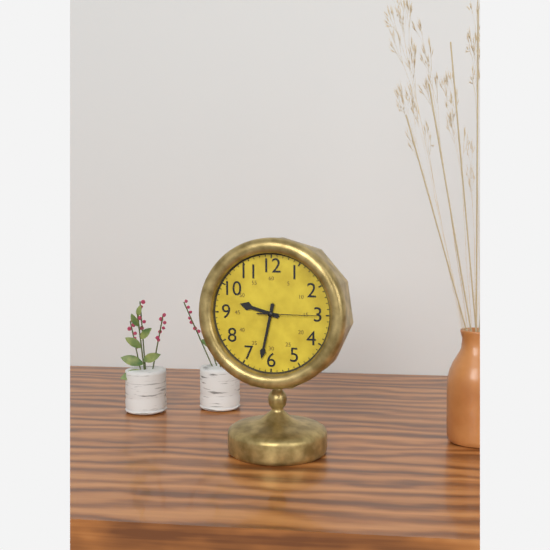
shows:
9,32,15
